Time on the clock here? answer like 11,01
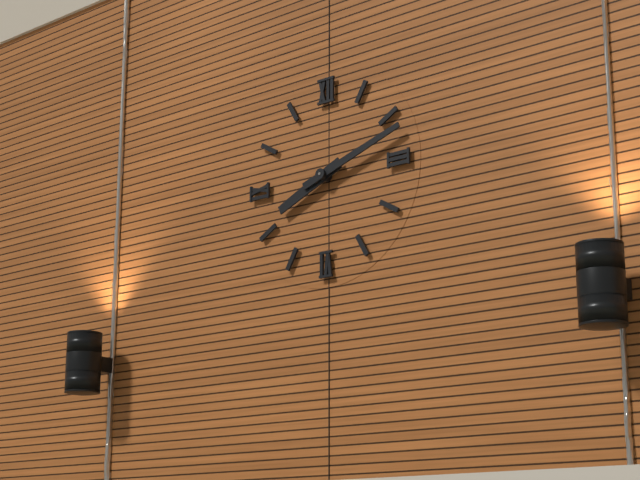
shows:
8,12
